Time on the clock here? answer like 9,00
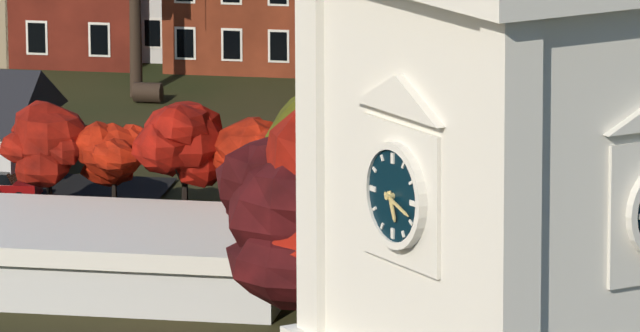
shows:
5,18
